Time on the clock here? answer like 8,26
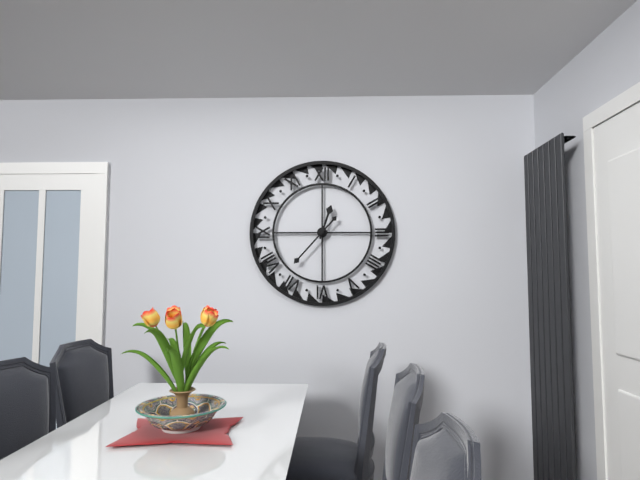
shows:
12,37
